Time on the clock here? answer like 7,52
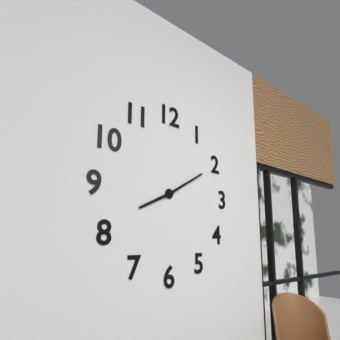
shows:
8,10
